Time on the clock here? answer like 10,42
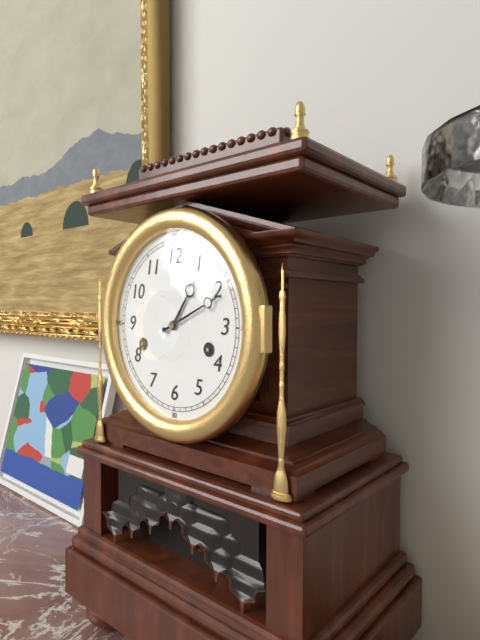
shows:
1,11
